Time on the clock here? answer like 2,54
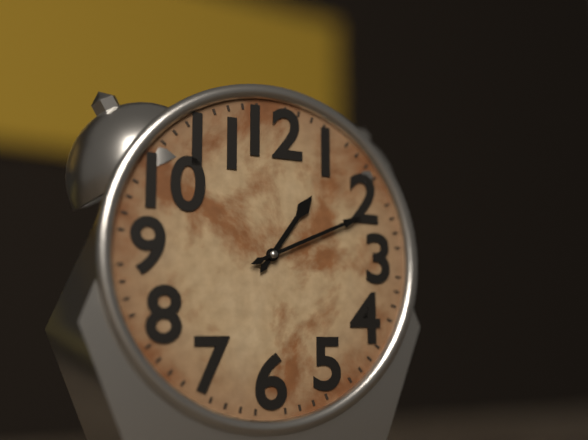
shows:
1,11
